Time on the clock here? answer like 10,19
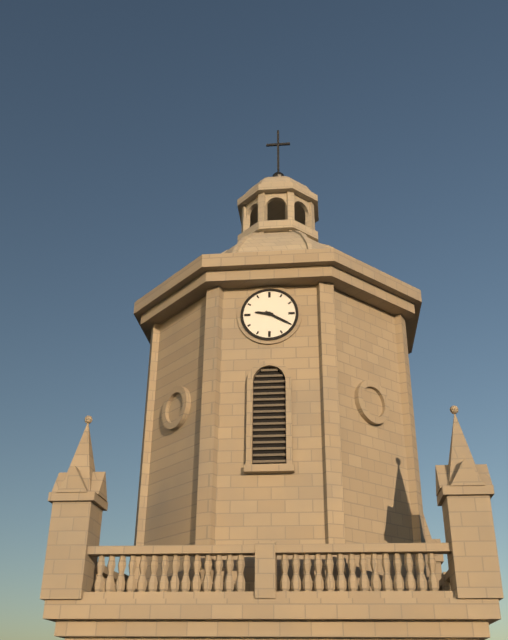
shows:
9,20
